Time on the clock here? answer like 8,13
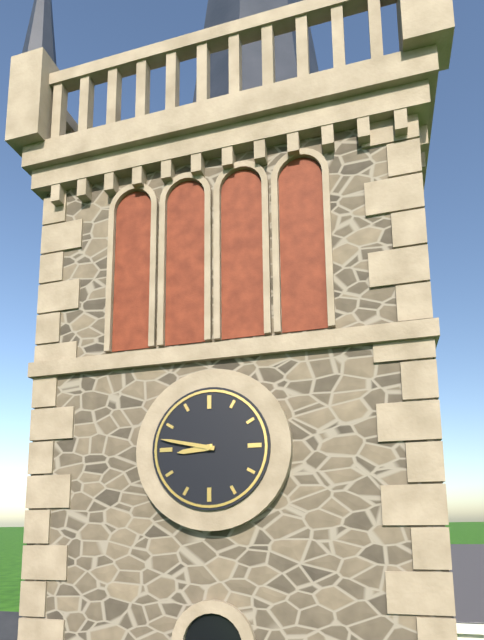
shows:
8,47
